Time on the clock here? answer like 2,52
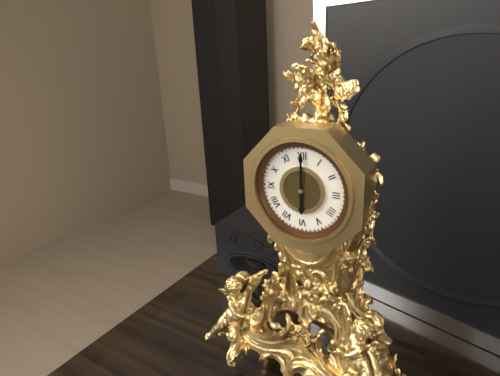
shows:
6,00
